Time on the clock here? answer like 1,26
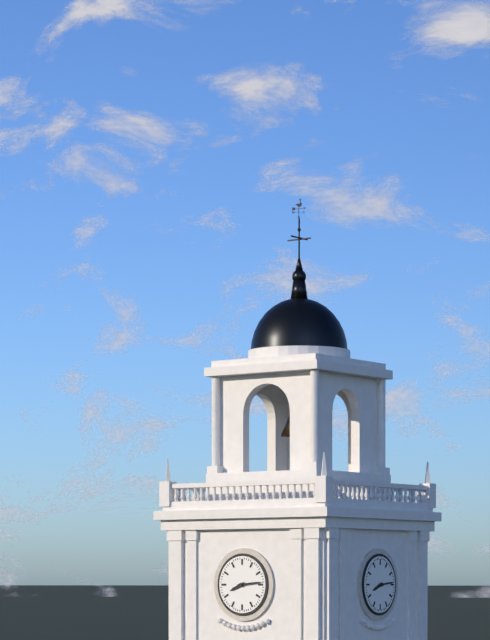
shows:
8,14
